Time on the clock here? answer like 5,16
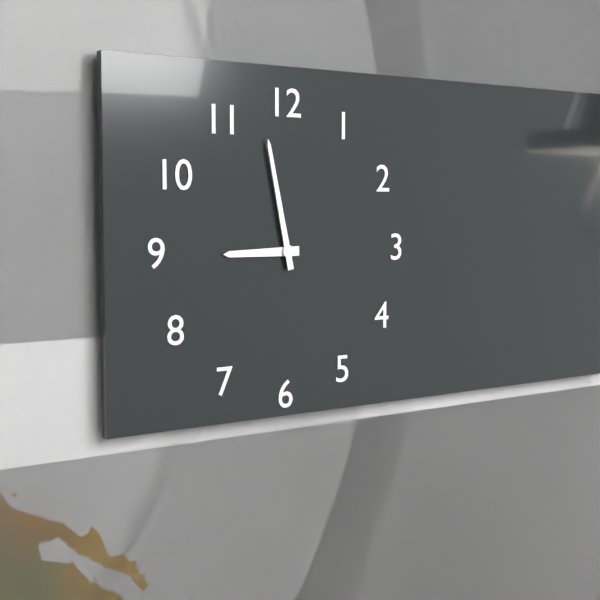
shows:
8,58
